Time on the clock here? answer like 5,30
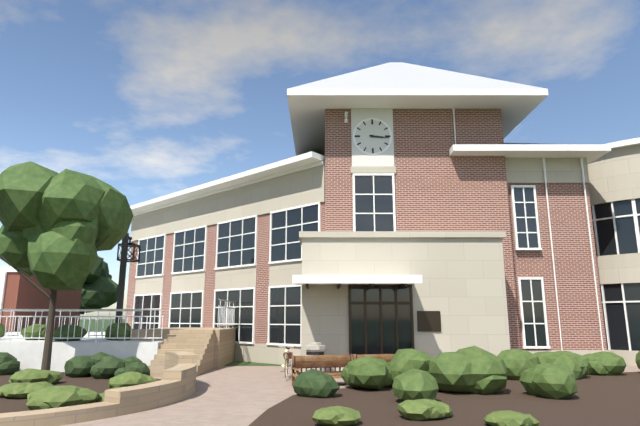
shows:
3,16
